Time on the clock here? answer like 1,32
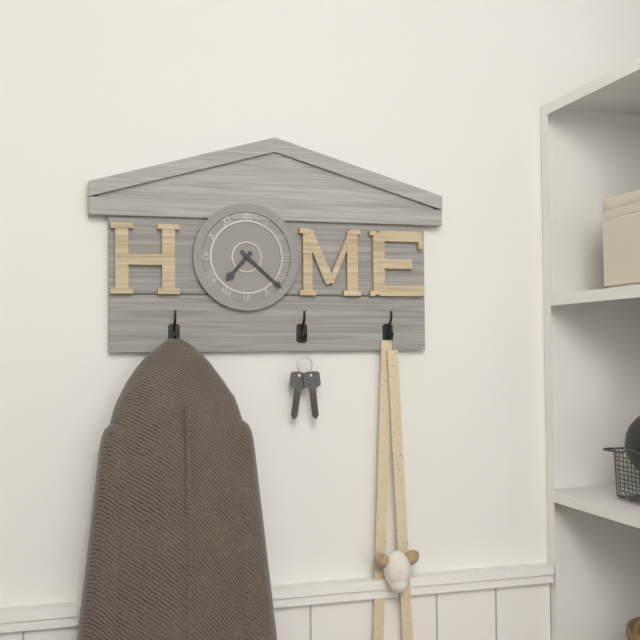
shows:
7,22
